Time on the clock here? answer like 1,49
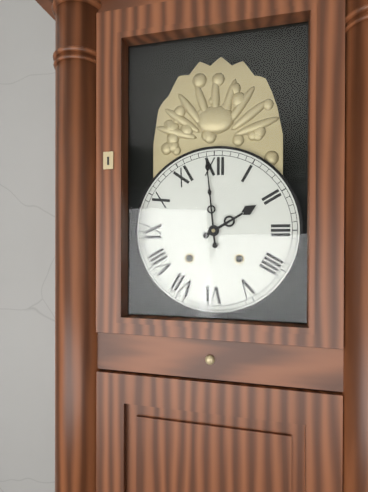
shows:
1,59
